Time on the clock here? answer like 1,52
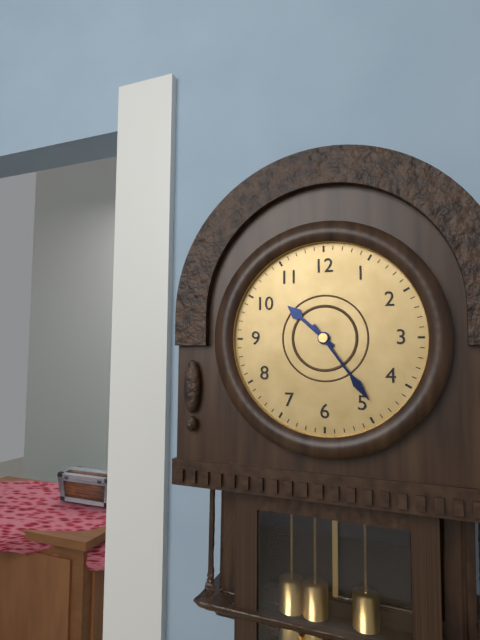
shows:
10,24
